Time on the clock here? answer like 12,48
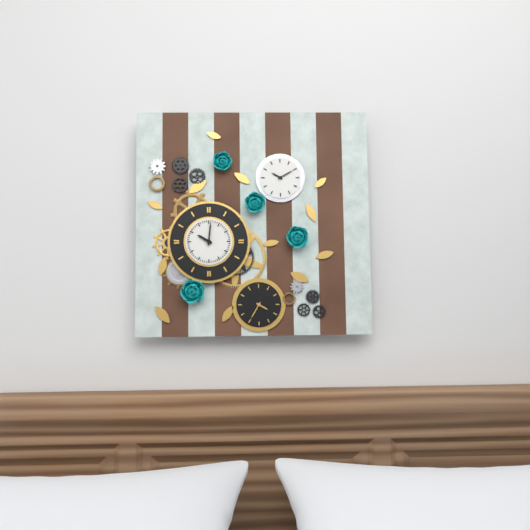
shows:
10,01
